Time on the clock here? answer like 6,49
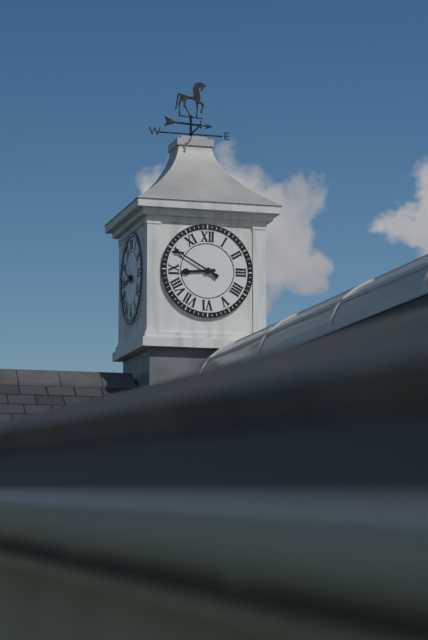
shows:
8,50
